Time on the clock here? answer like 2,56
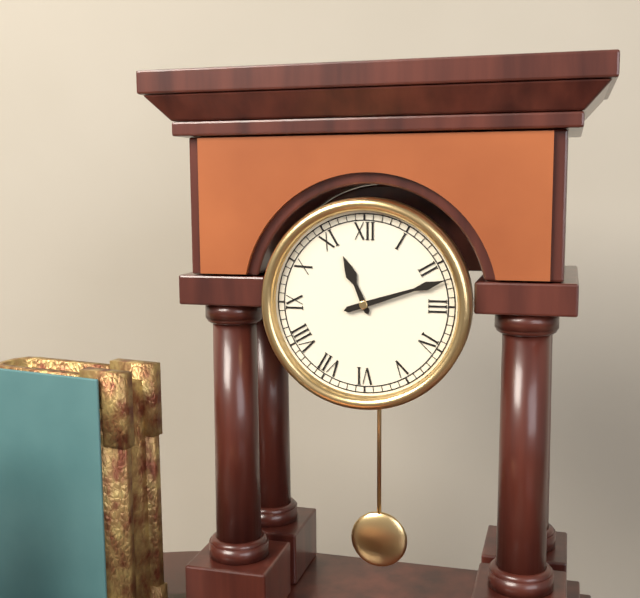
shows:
11,12
